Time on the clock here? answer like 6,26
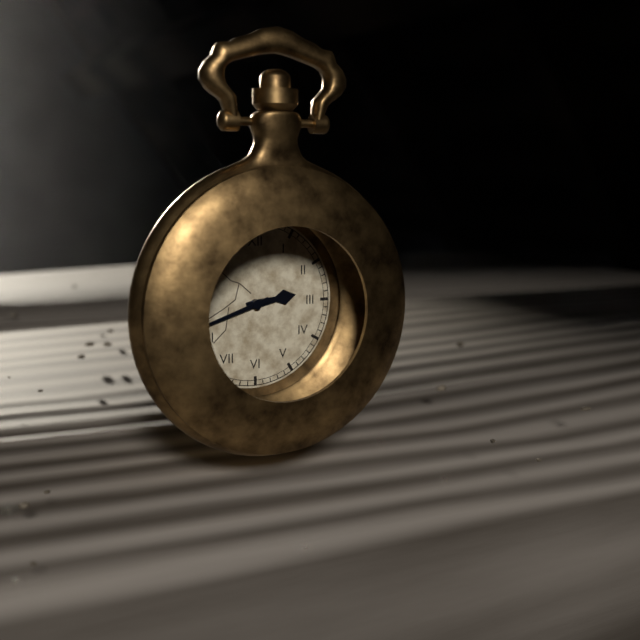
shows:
2,42
